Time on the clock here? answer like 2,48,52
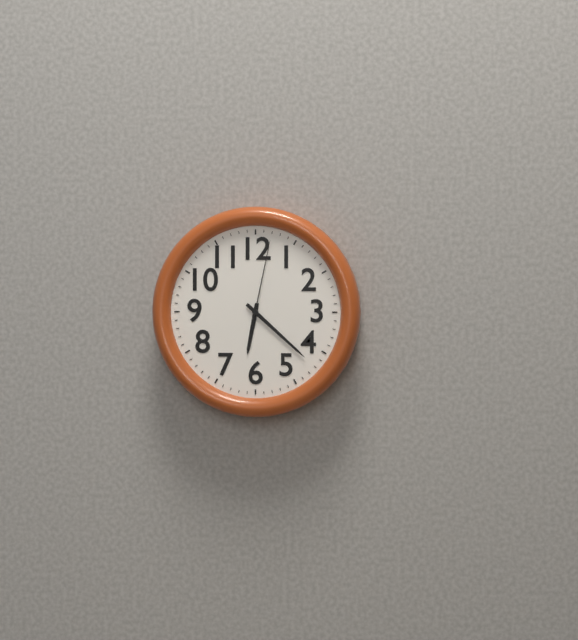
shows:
6,22,02
